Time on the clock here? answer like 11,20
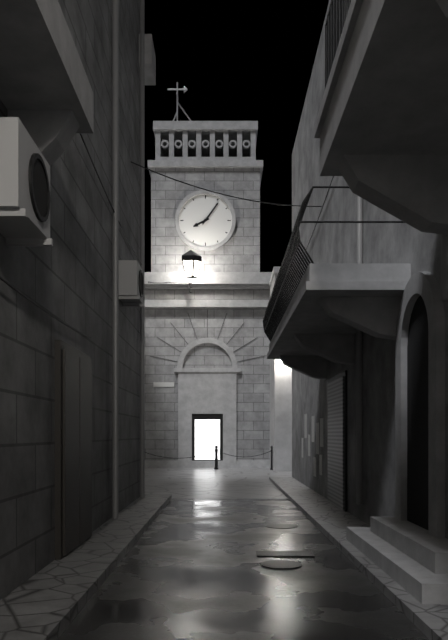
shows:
8,06
